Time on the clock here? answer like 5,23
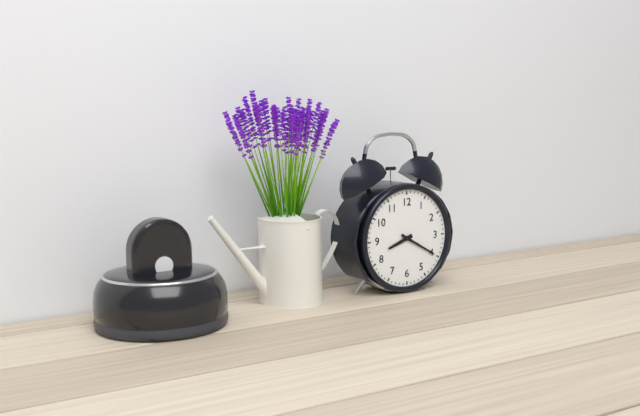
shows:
8,20
